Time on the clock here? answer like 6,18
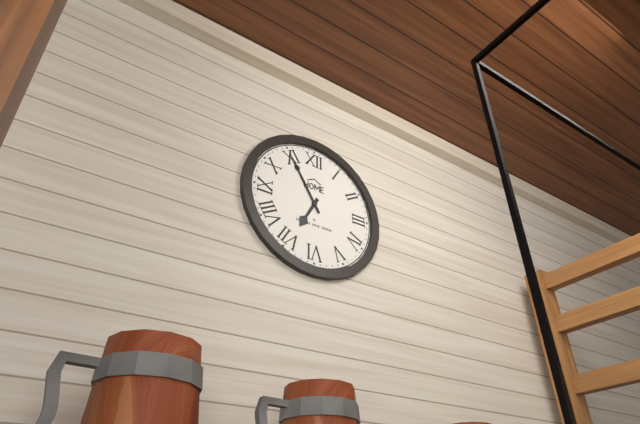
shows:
6,55
